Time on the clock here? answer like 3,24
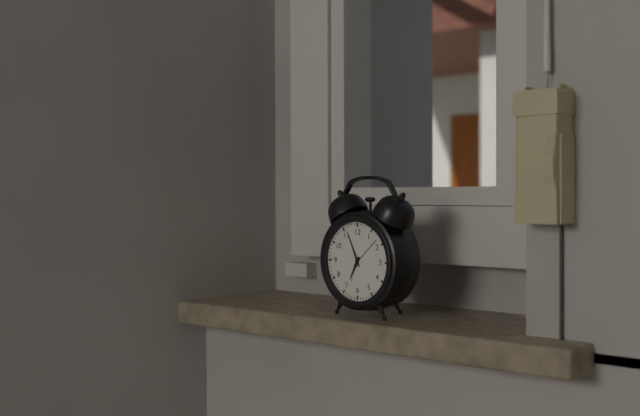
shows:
6,56
